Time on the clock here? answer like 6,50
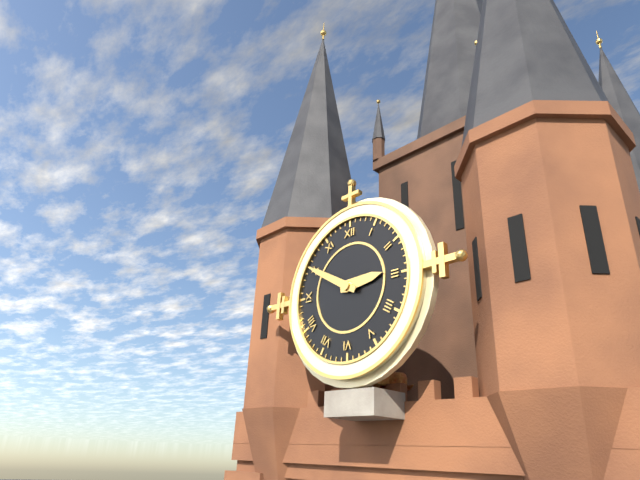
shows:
2,50
